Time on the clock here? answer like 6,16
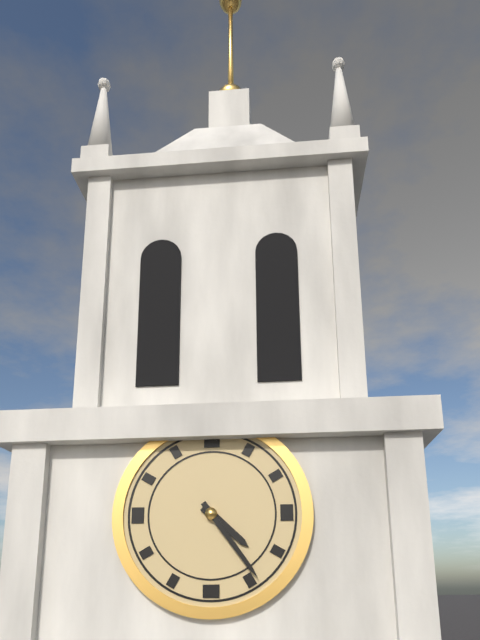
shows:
4,24
